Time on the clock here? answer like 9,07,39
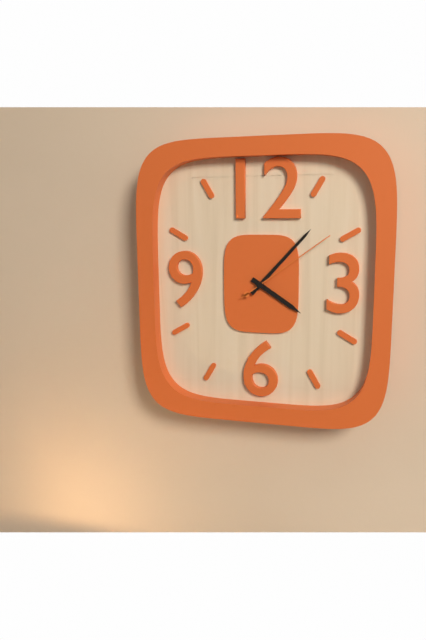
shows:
4,07,09
